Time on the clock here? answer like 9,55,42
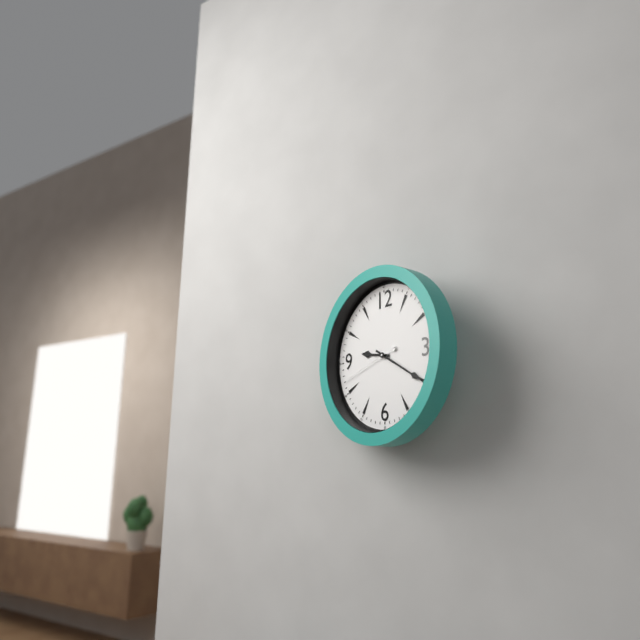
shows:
9,20,42
